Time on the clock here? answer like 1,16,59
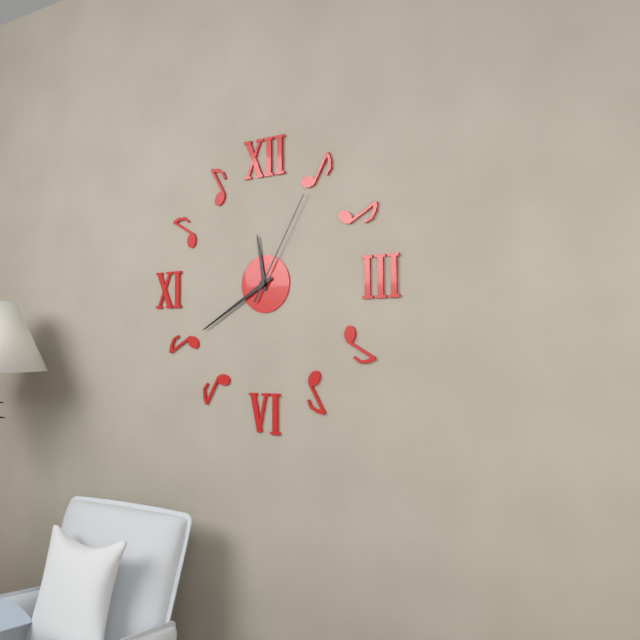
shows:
11,40,05
